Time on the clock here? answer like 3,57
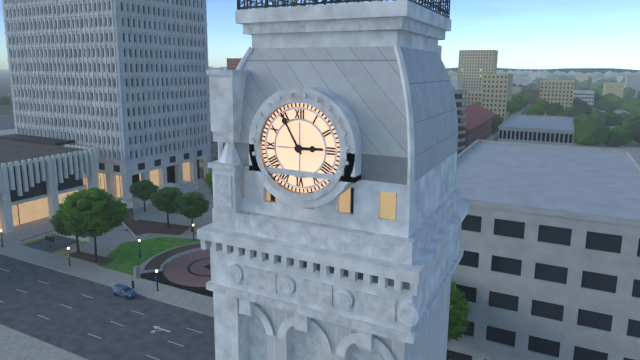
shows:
2,55
